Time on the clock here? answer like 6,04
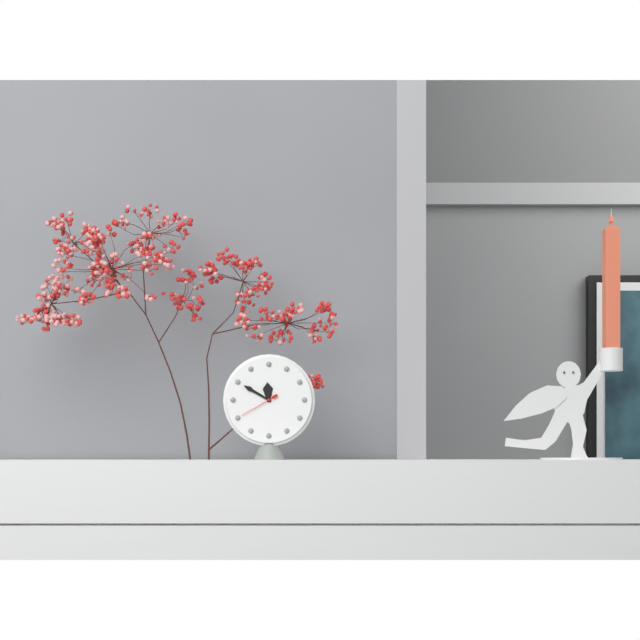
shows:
11,50
